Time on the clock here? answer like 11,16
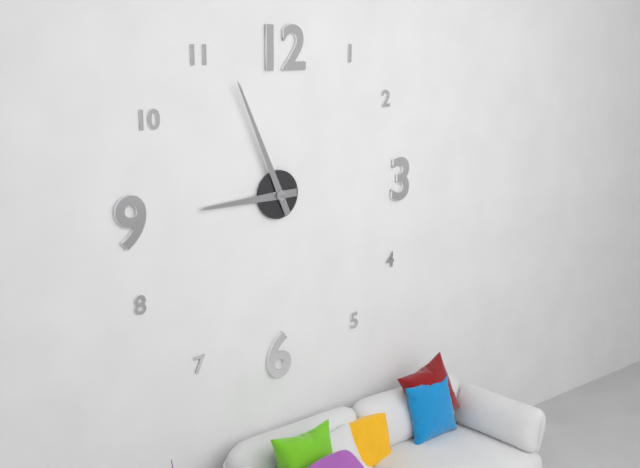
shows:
8,56
